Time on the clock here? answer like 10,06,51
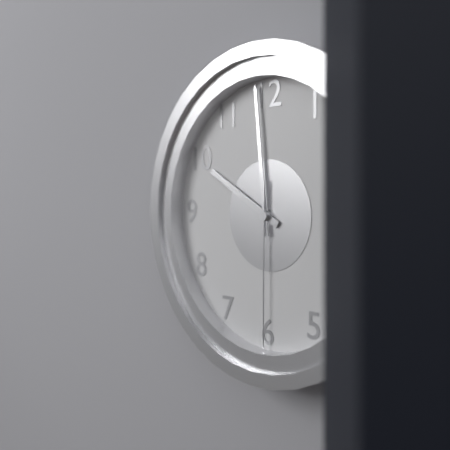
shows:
9,59,30
